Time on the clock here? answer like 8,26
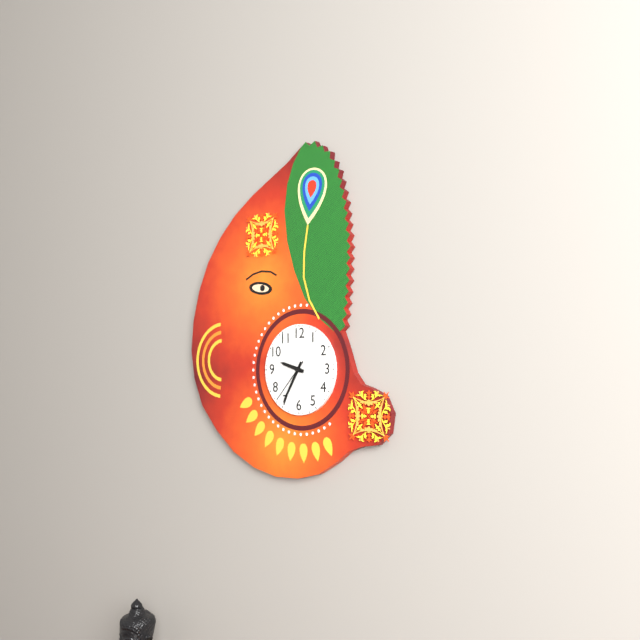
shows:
9,35
